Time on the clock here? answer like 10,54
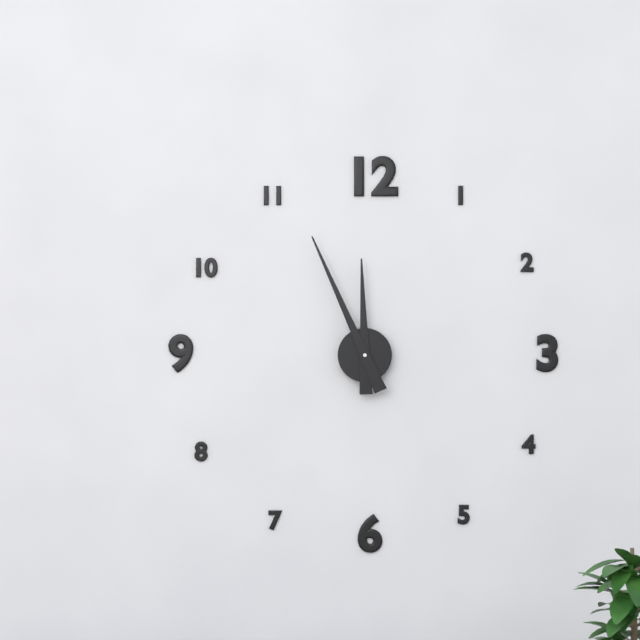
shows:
11,56
